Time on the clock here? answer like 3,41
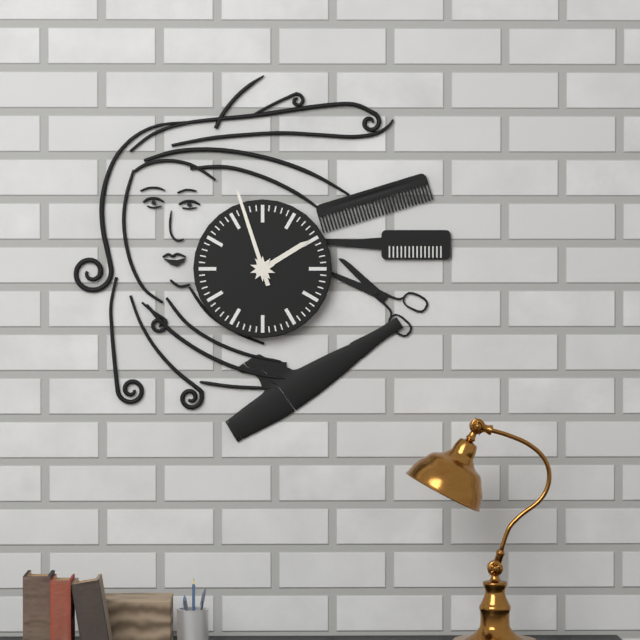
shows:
1,57
